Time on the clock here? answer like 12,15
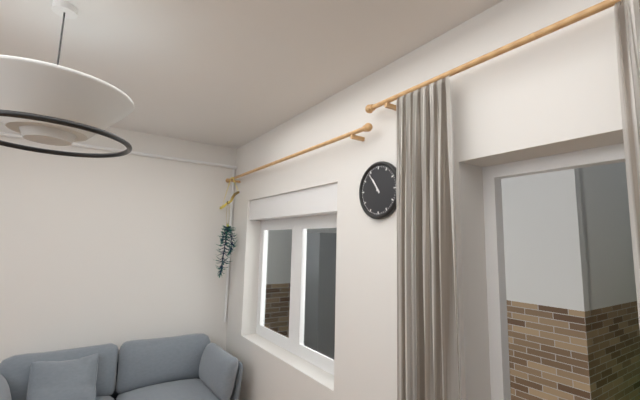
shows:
10,54
